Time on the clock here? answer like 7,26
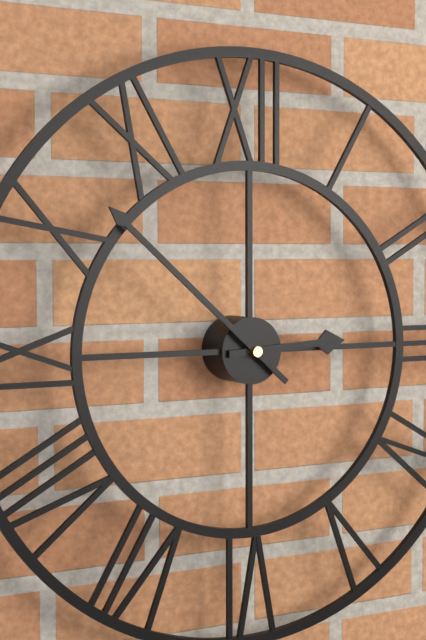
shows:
2,52
